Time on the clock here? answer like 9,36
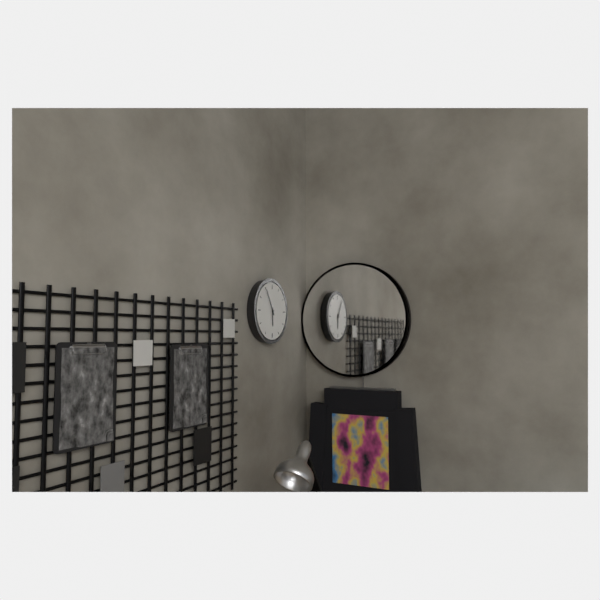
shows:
5,55
